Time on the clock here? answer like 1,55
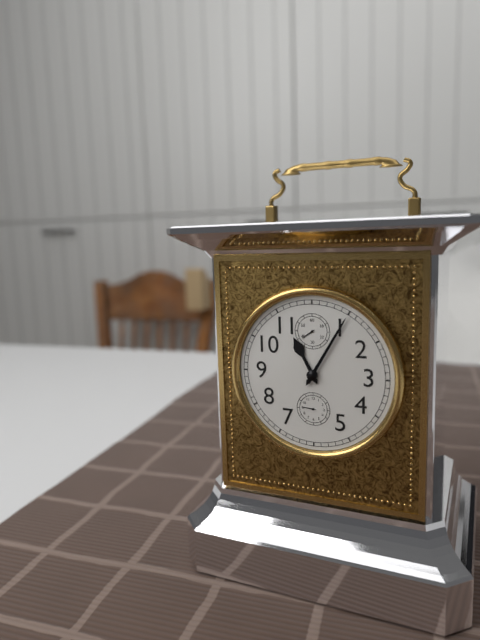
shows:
11,05
